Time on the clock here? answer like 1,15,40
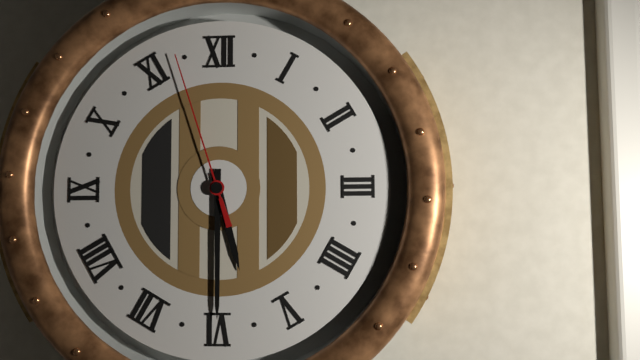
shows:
5,30,57
